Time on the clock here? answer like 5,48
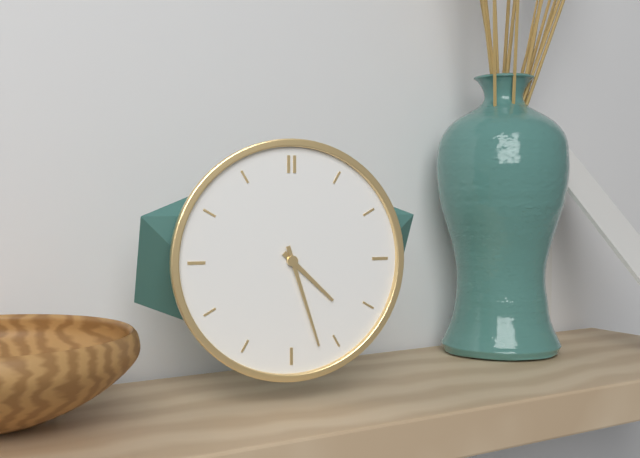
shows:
4,27
